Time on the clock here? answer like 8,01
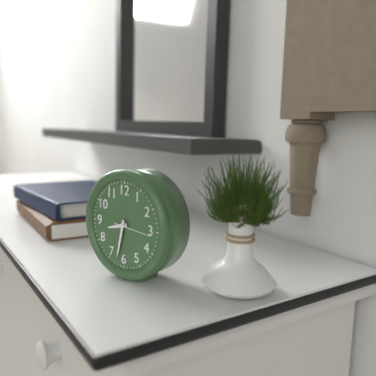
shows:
8,32
